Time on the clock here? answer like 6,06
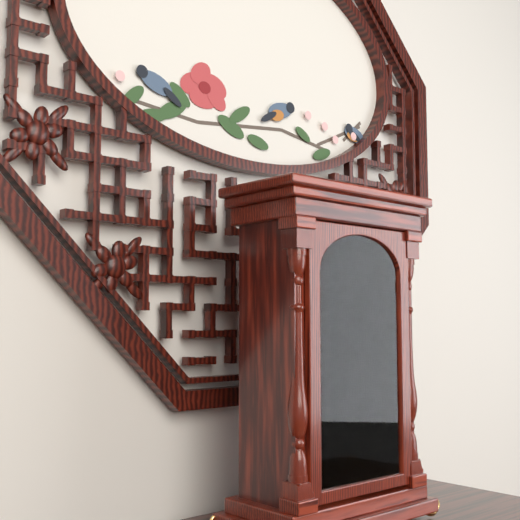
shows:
2,19
